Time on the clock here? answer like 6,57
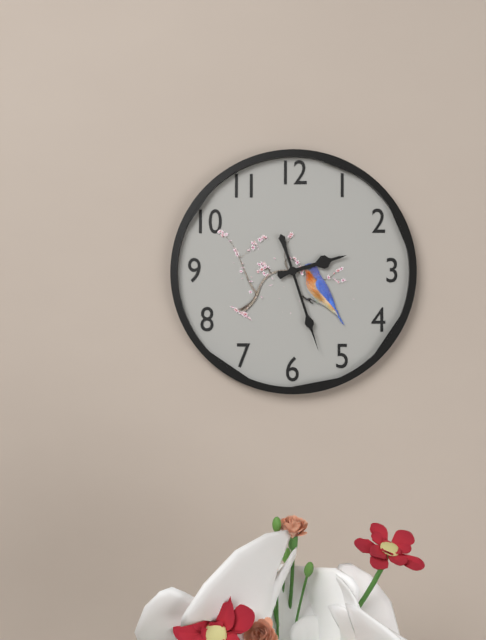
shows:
2,27
